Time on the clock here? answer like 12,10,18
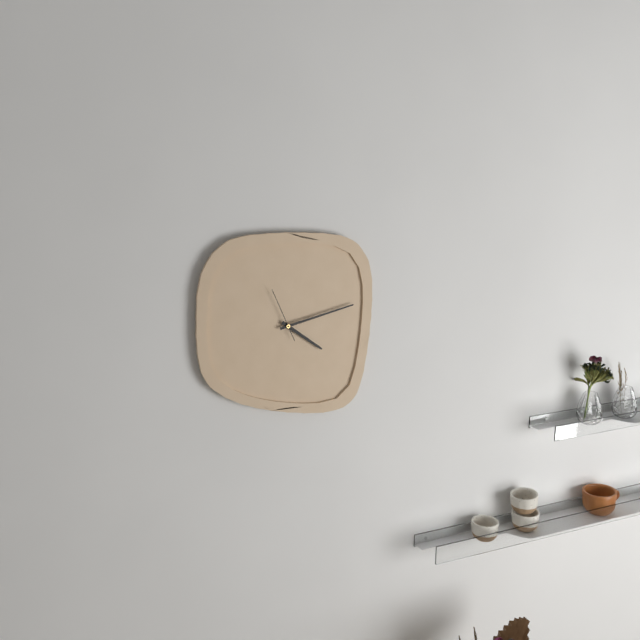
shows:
4,13,56
